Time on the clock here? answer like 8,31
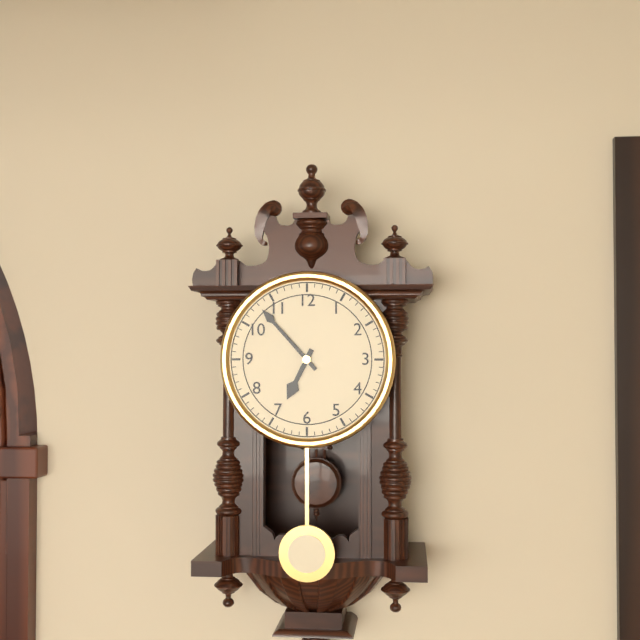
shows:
6,53
